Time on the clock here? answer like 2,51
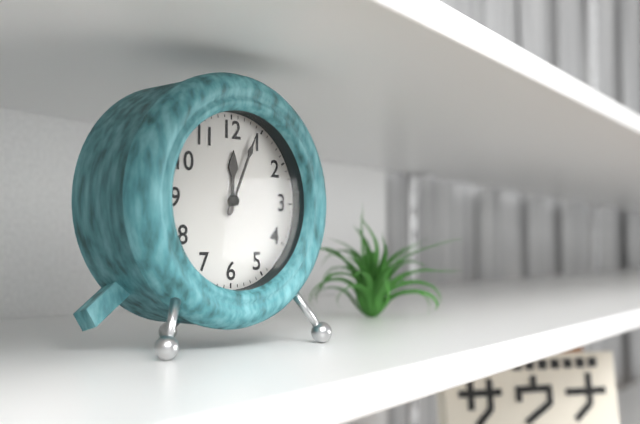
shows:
12,04
